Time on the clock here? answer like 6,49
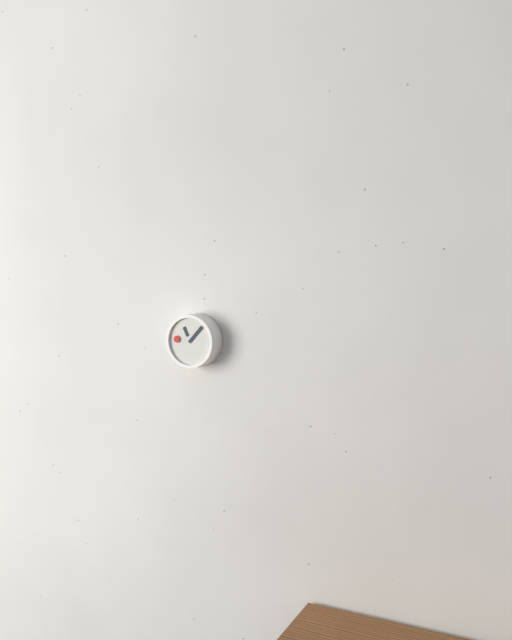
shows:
11,07
